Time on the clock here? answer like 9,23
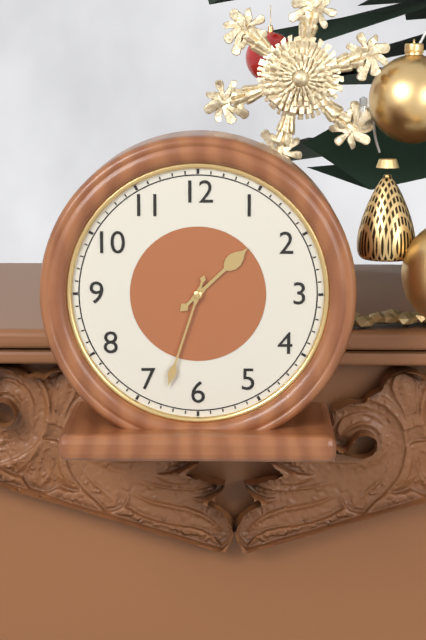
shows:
1,33
